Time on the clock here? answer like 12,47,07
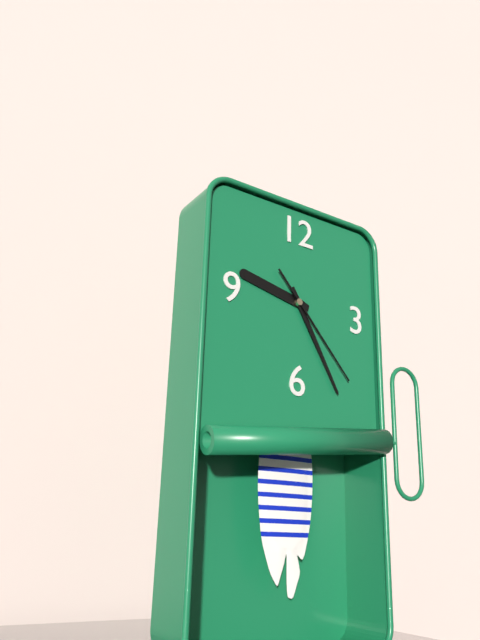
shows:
9,25,23
